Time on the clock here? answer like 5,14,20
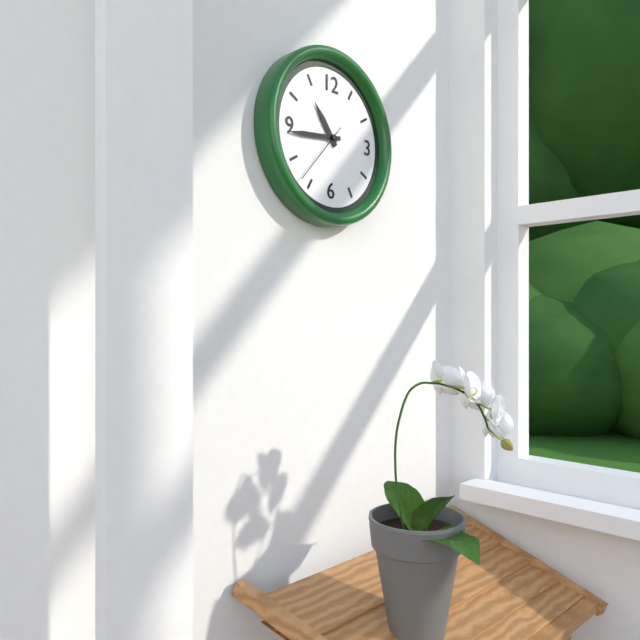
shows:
10,44,37
